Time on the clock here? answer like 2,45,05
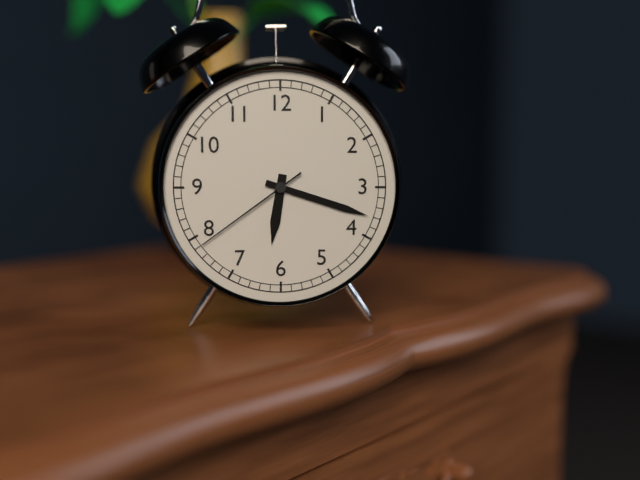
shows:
6,18,39
